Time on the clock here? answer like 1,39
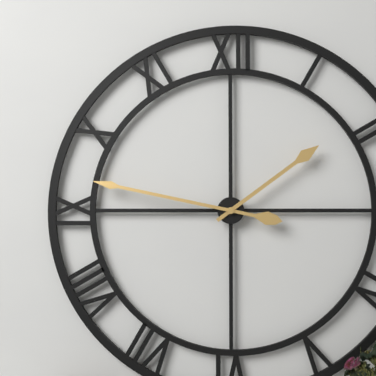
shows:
1,47
